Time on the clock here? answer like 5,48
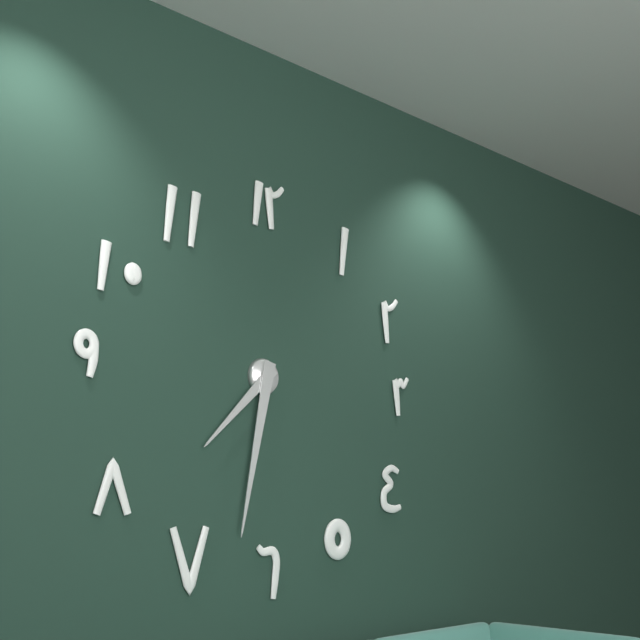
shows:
7,32
